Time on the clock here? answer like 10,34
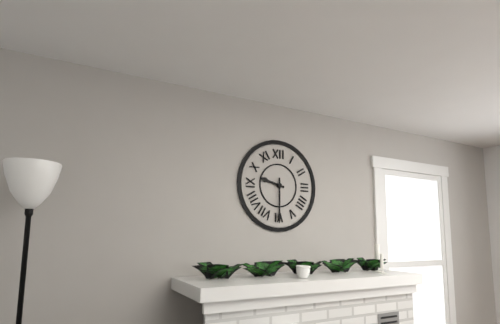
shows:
9,30
